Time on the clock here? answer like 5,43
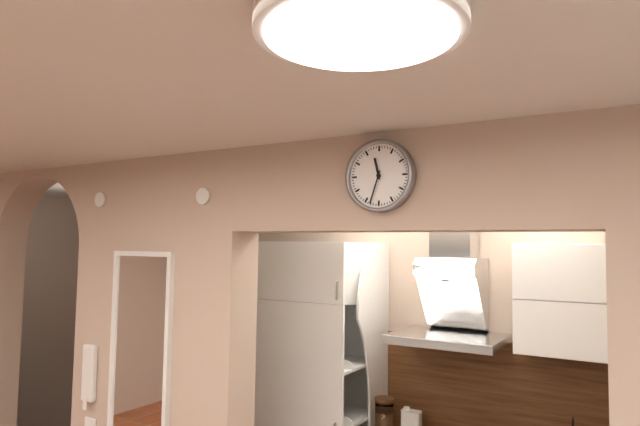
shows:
11,33
